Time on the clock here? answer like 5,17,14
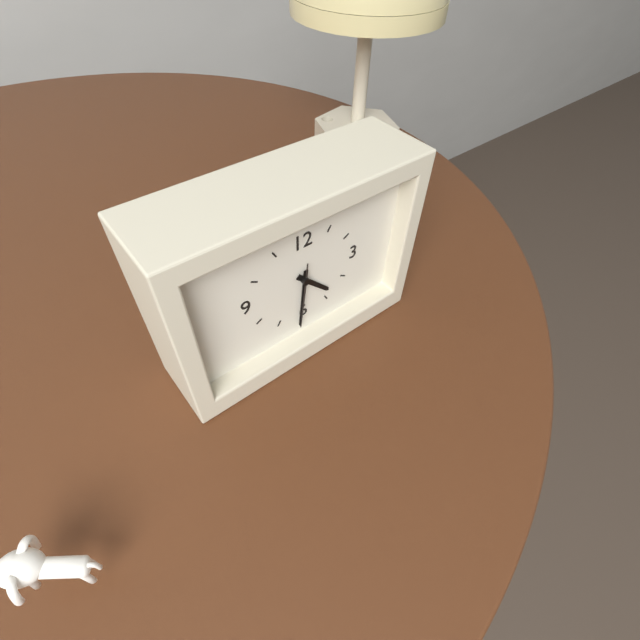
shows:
4,31,31
